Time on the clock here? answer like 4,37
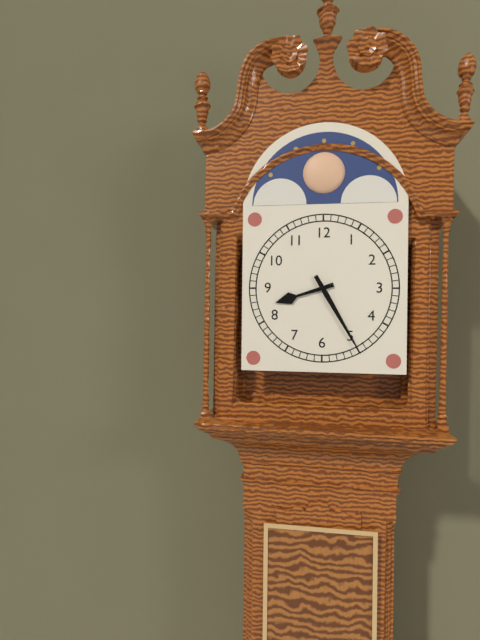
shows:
8,25
